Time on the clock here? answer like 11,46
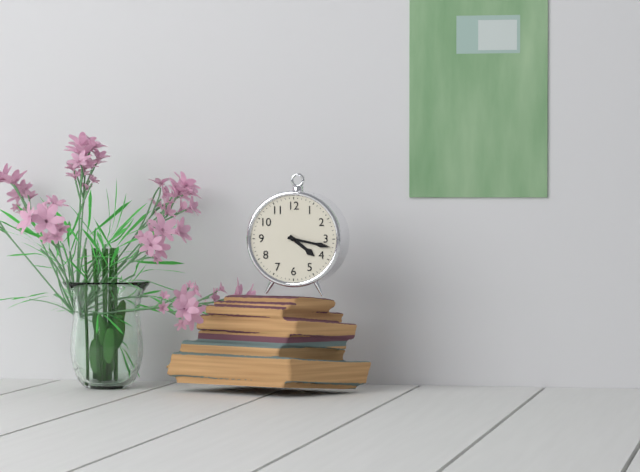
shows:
4,17
